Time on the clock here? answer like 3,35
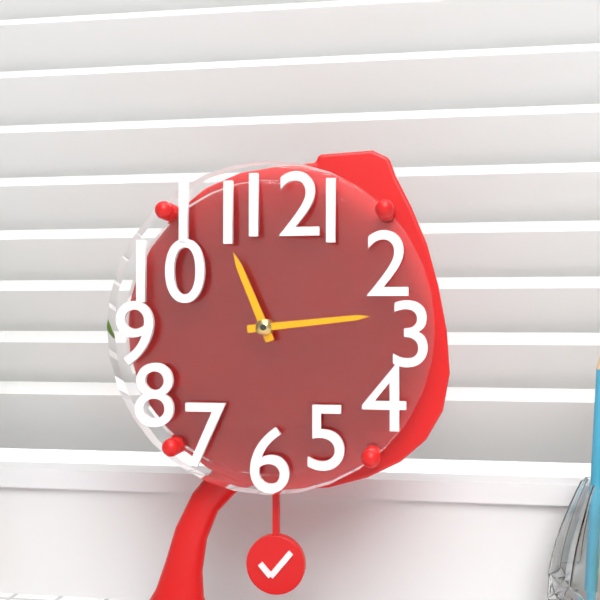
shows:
11,14
